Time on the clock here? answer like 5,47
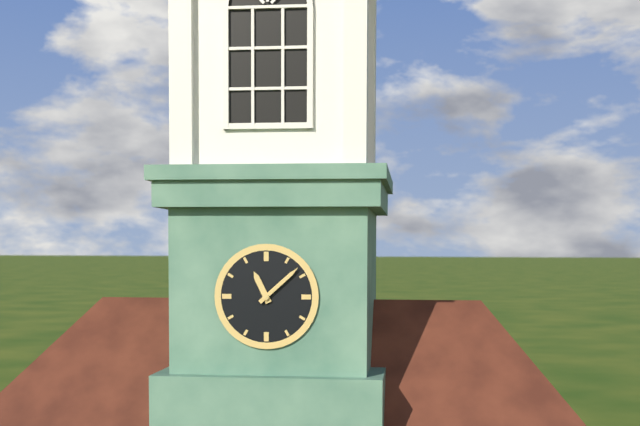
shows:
11,08
